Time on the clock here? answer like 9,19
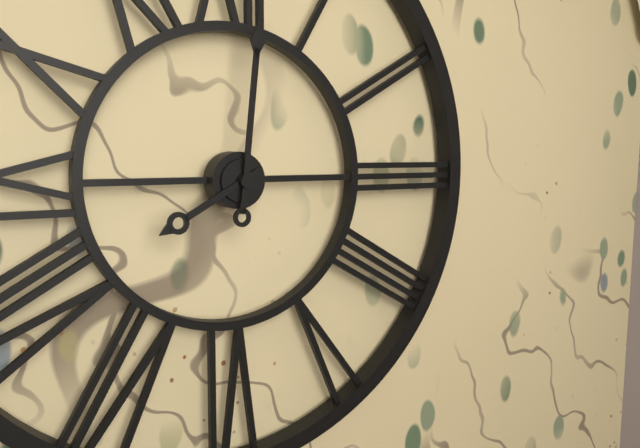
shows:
8,01
